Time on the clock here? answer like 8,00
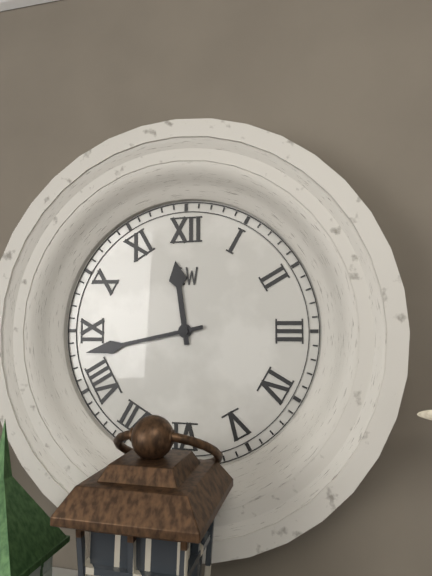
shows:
11,43
